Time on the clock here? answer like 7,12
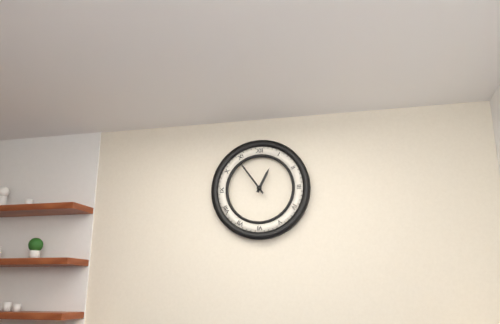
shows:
12,54
